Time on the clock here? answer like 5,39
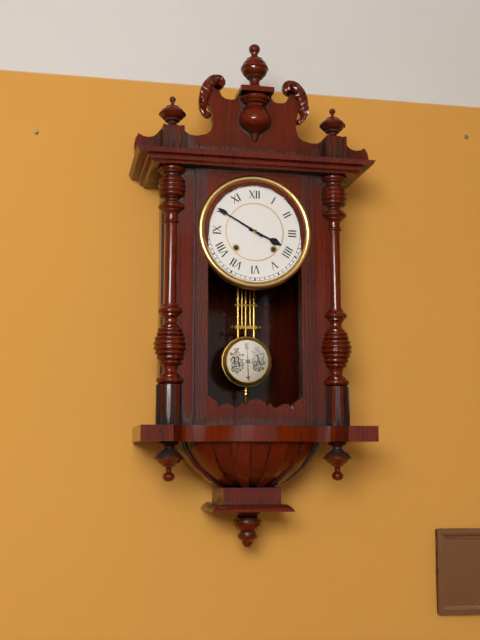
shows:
3,50
